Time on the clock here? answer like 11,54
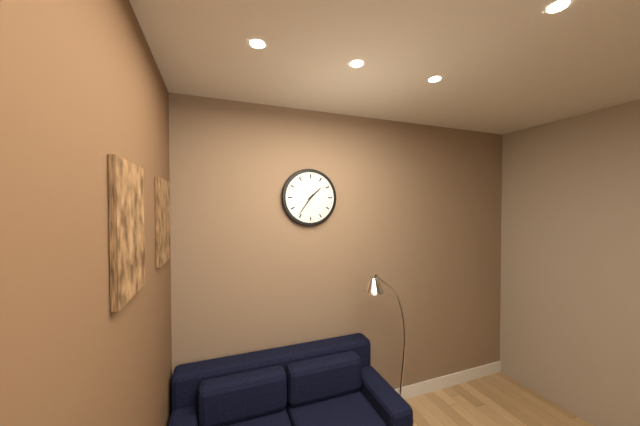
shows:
1,36
